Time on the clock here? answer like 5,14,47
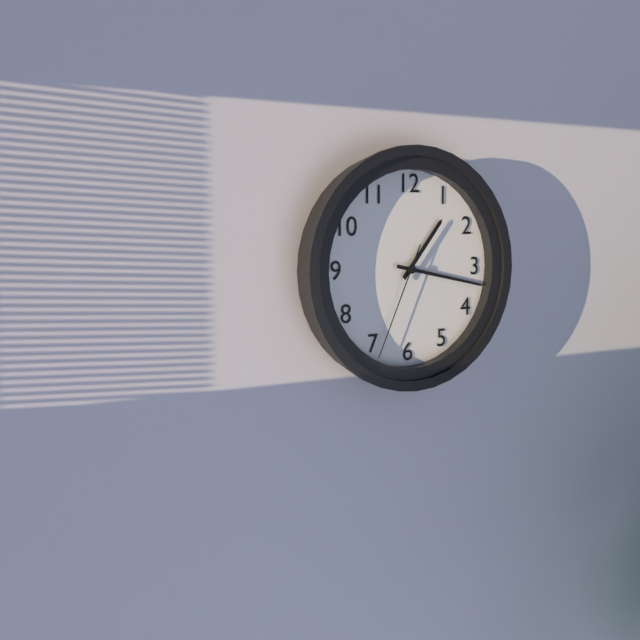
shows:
1,17,34
